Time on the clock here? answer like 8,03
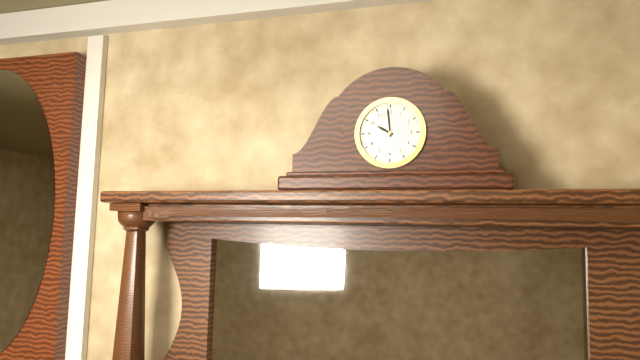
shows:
9,59
